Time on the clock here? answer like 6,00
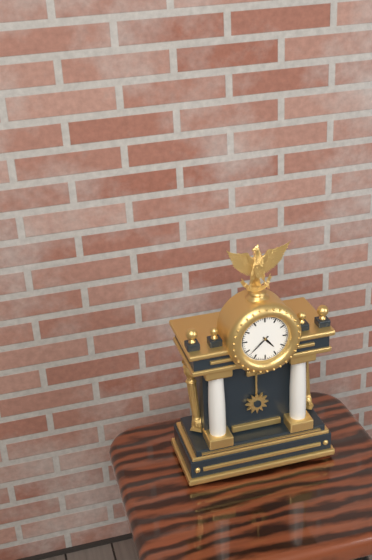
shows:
4,38
